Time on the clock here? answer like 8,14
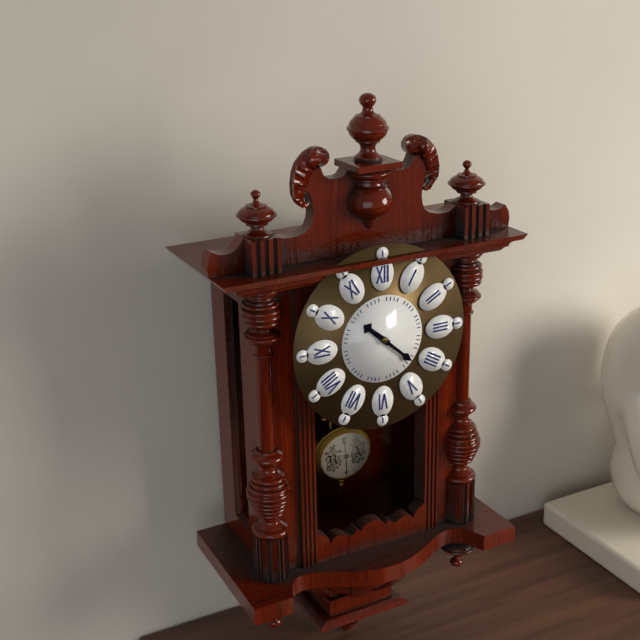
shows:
10,22
